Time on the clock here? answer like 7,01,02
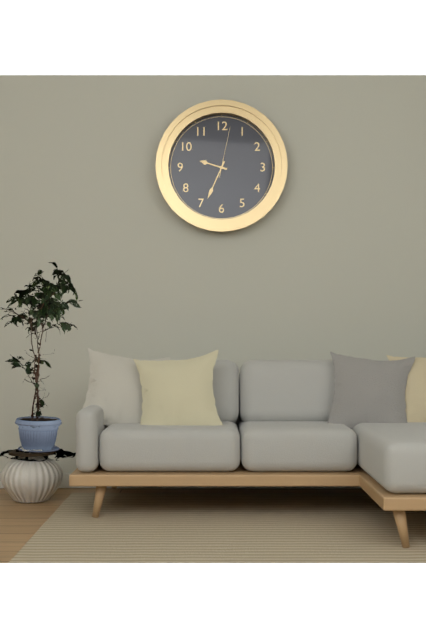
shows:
9,34,02
